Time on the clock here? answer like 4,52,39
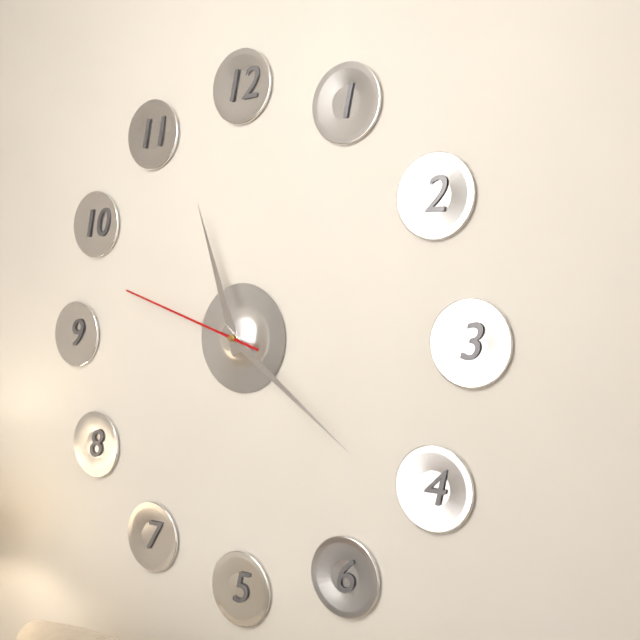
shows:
11,21,48
